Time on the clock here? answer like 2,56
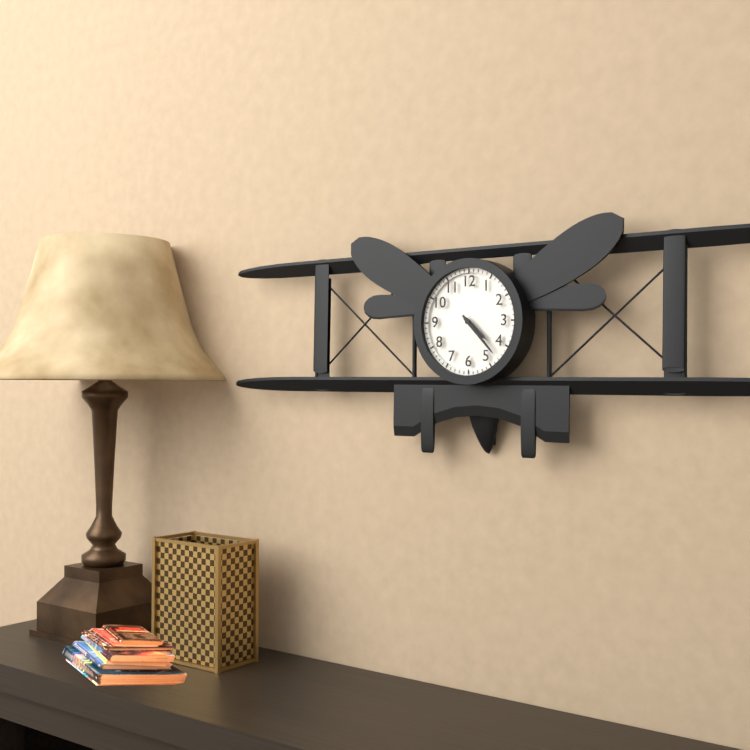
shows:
4,23
